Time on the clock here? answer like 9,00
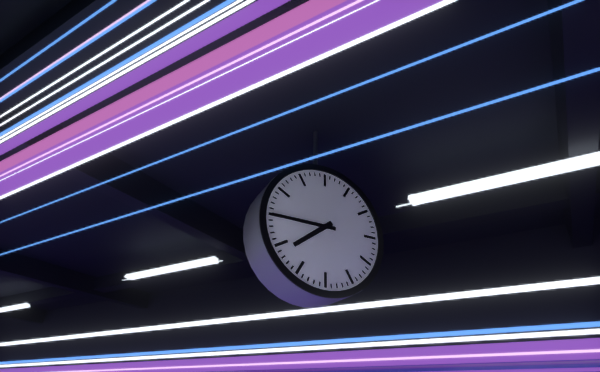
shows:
7,45
